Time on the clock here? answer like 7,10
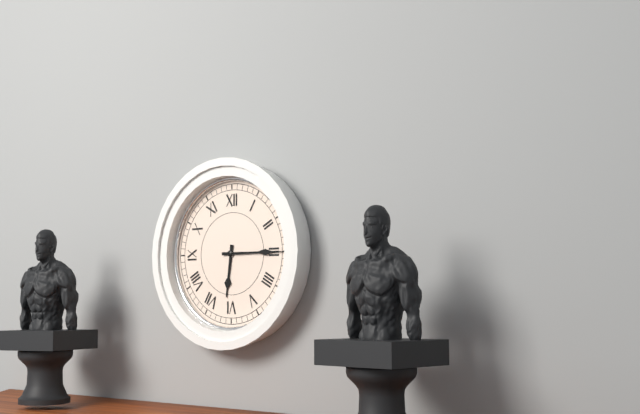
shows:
6,15
